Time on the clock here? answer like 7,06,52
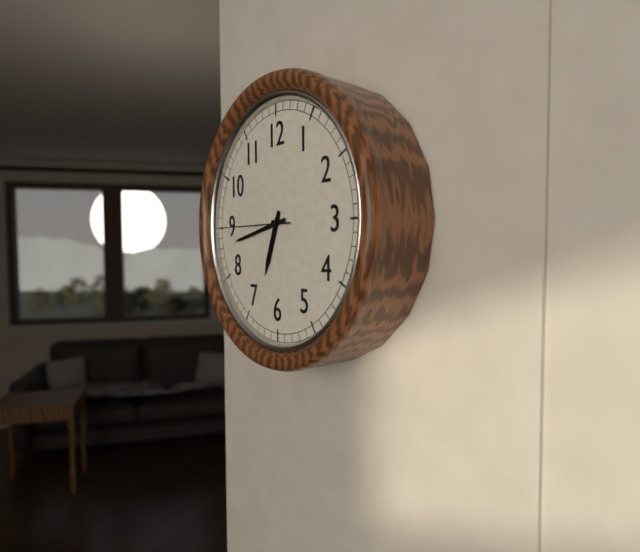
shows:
6,43,45
